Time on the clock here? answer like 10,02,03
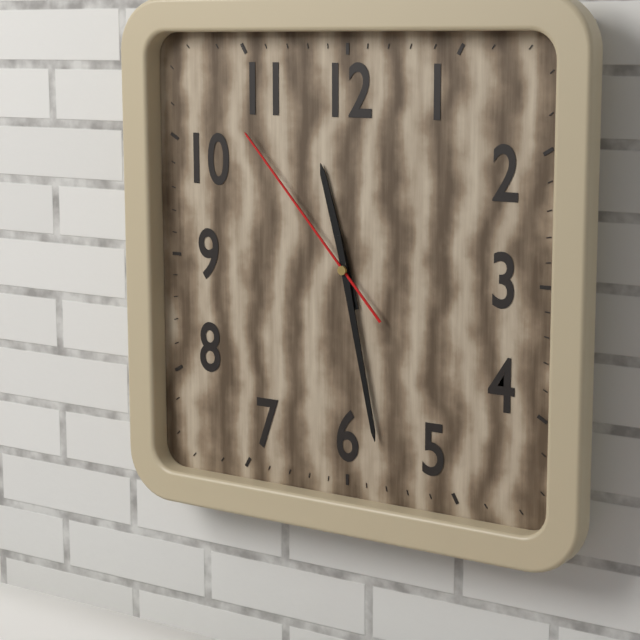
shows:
11,28,53
